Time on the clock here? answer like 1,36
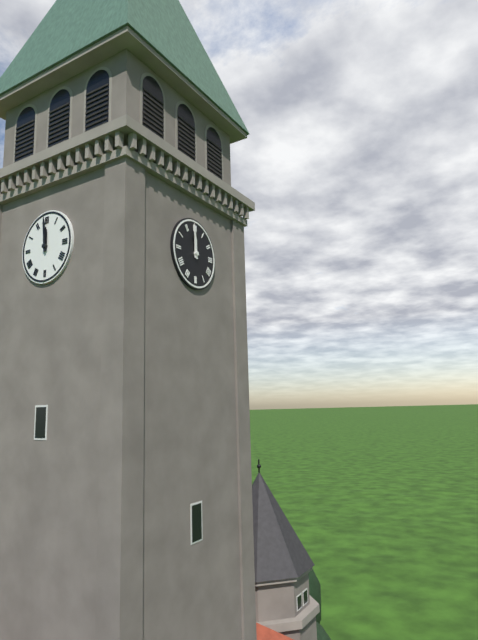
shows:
11,59
